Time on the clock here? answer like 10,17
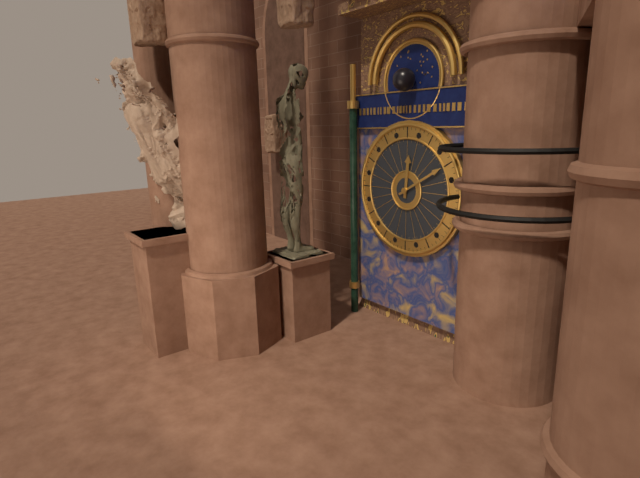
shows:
12,10
